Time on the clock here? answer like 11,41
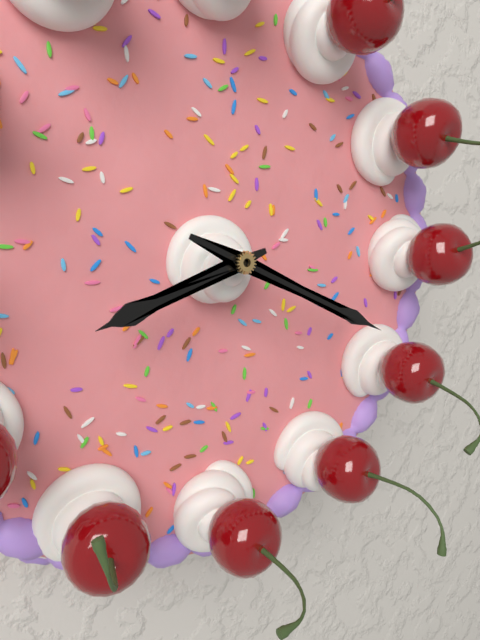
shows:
8,19
